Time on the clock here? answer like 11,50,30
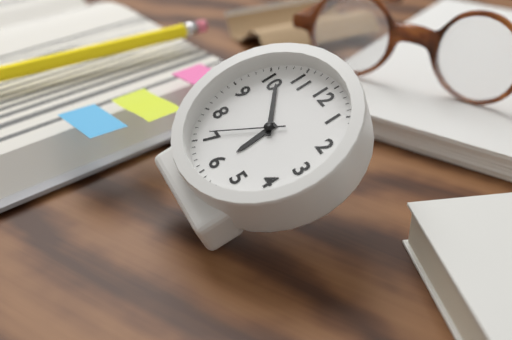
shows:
5,51,36
